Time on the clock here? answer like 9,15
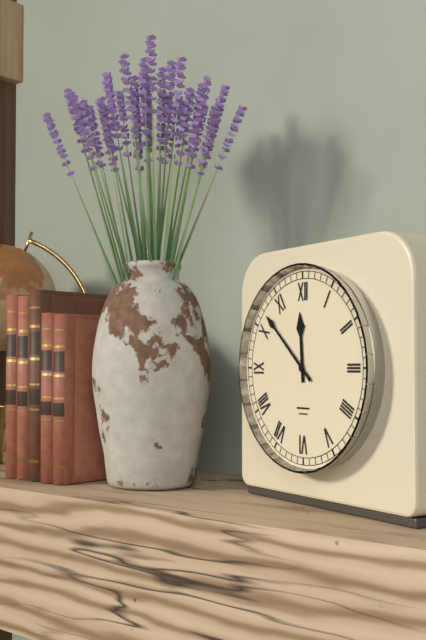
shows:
11,52
